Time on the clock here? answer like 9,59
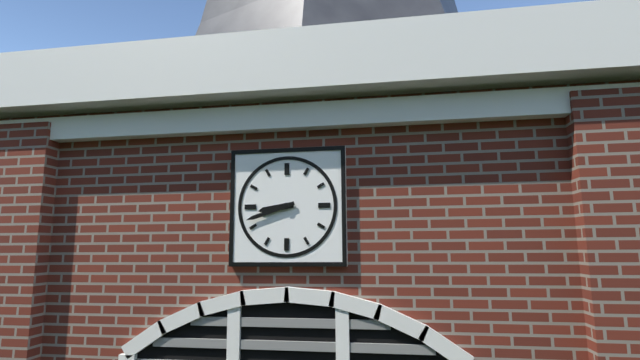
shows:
8,42
